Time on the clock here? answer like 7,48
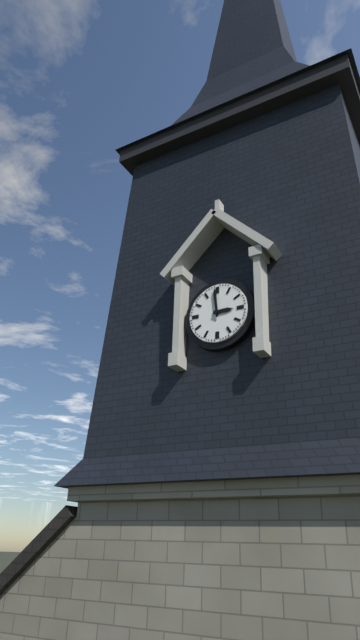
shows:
2,59
